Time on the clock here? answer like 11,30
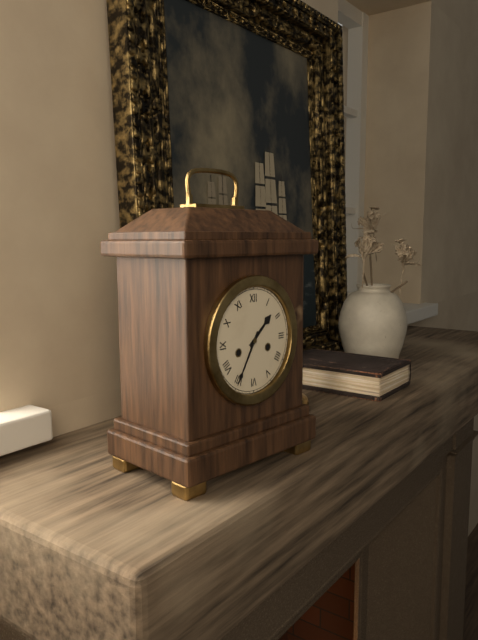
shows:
1,35
